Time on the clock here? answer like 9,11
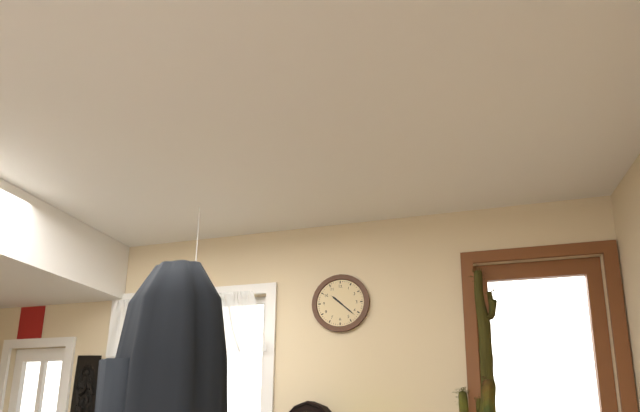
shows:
10,22
